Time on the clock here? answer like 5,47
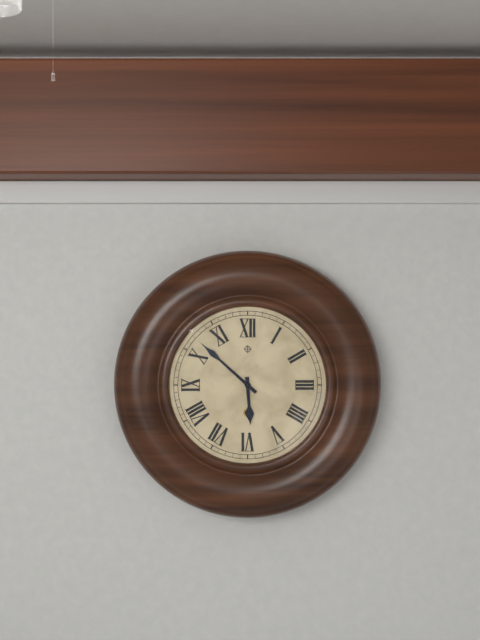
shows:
5,52
